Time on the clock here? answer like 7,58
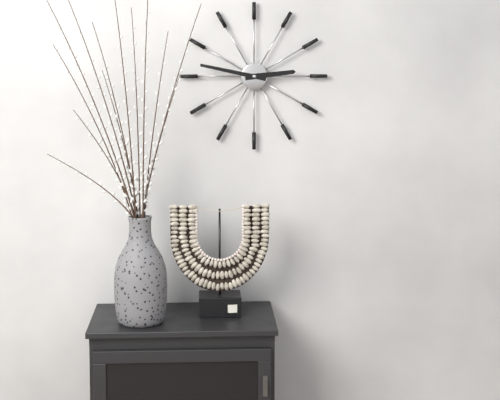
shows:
2,47
